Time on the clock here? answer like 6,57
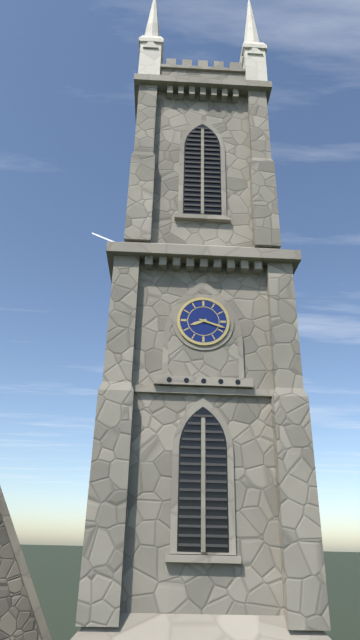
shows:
8,18
